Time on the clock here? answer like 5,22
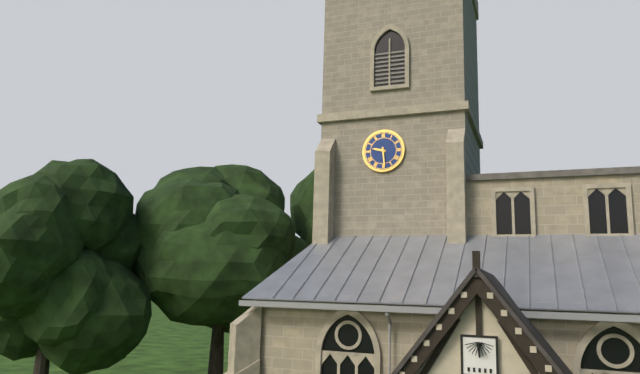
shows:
9,29
